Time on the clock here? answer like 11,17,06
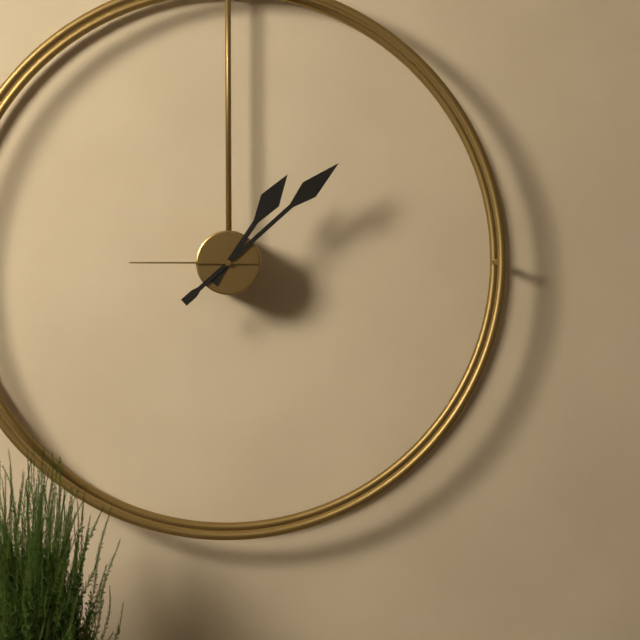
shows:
1,08,45
